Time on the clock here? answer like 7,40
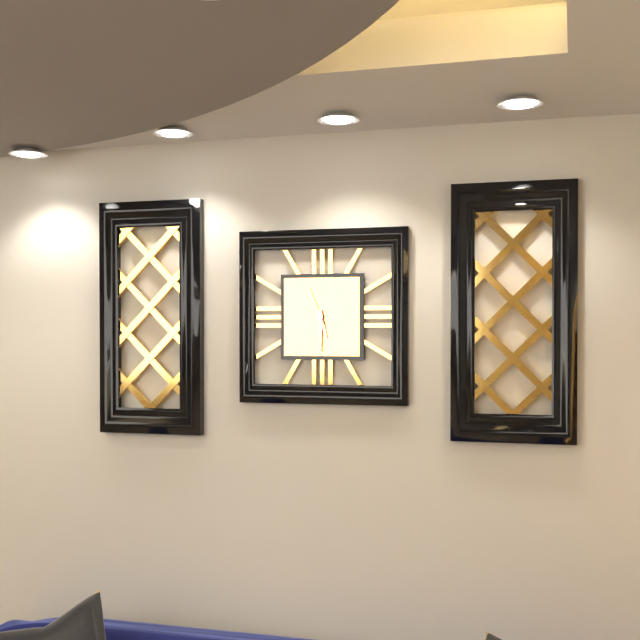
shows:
5,30
